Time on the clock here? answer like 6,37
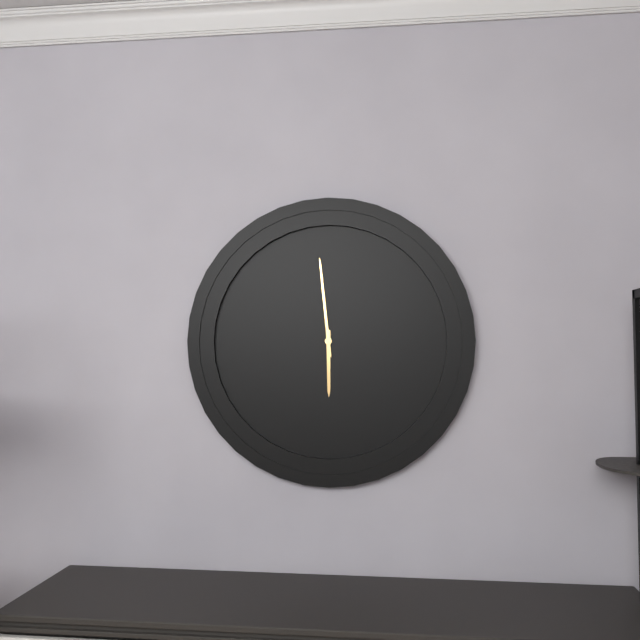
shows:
5,59
